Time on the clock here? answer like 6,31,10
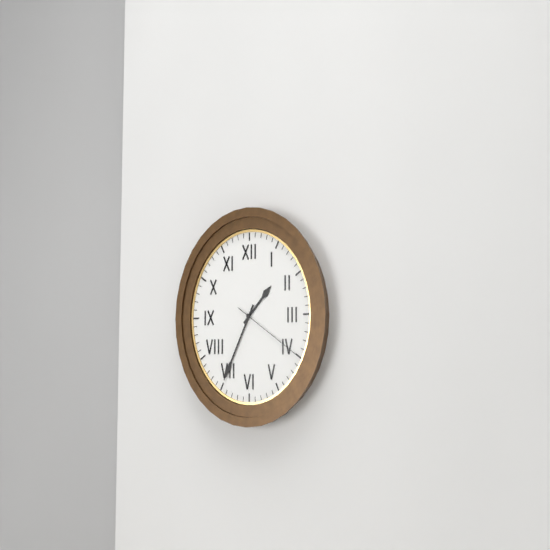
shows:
1,35,20
